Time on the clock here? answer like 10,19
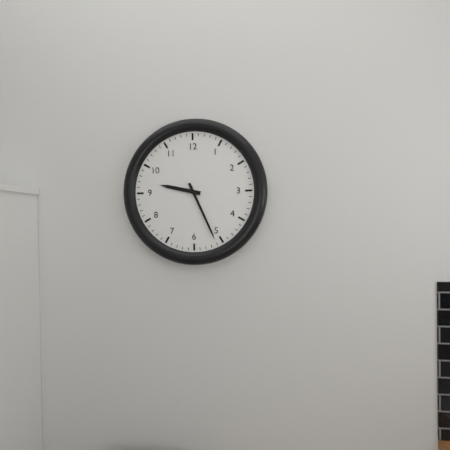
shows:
9,26
